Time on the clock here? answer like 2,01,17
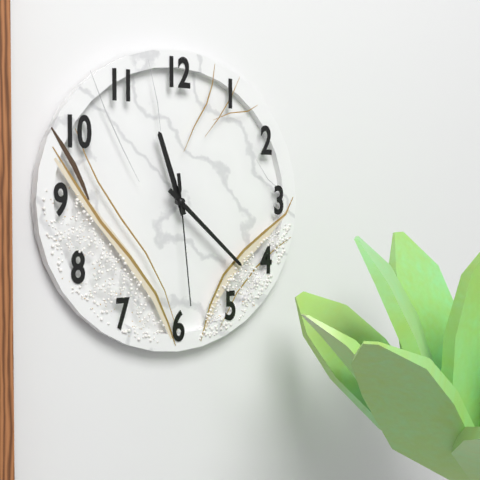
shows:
11,22,29
